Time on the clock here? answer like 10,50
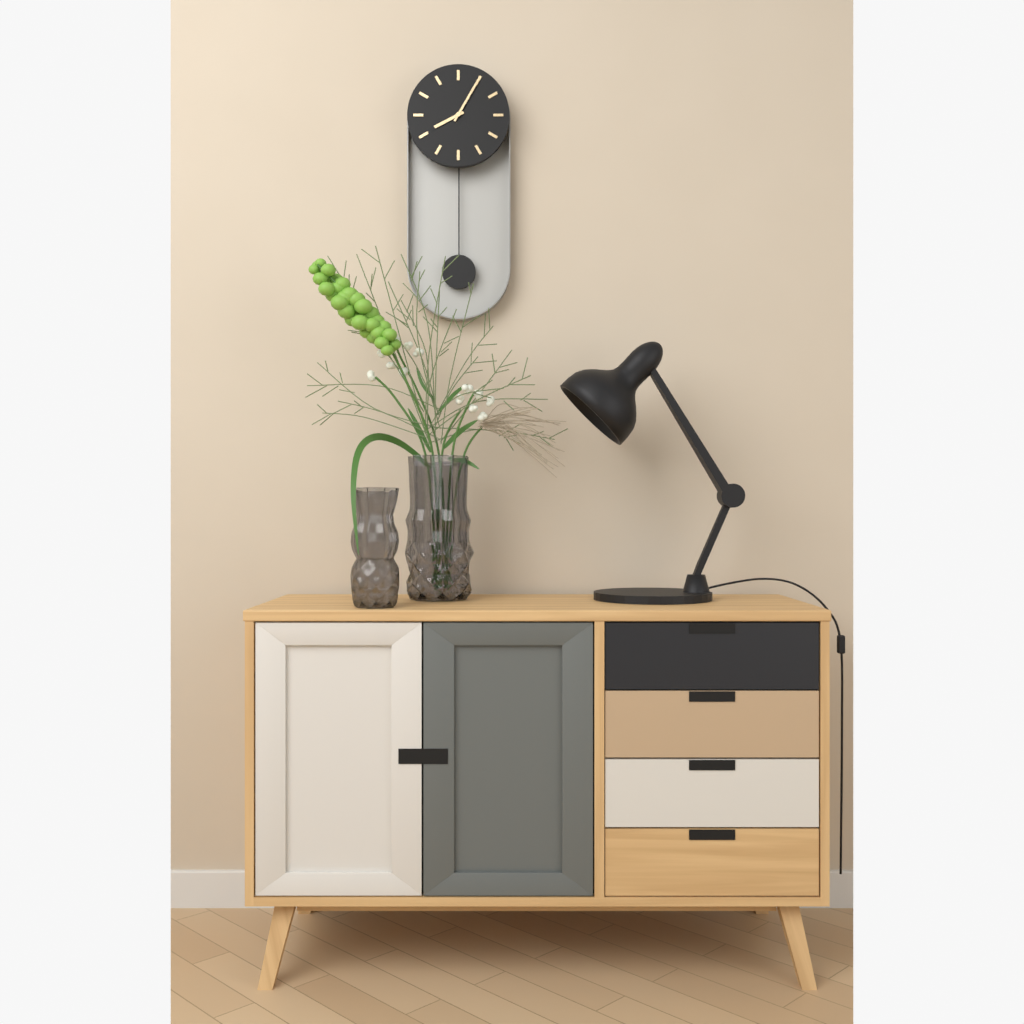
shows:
8,05
